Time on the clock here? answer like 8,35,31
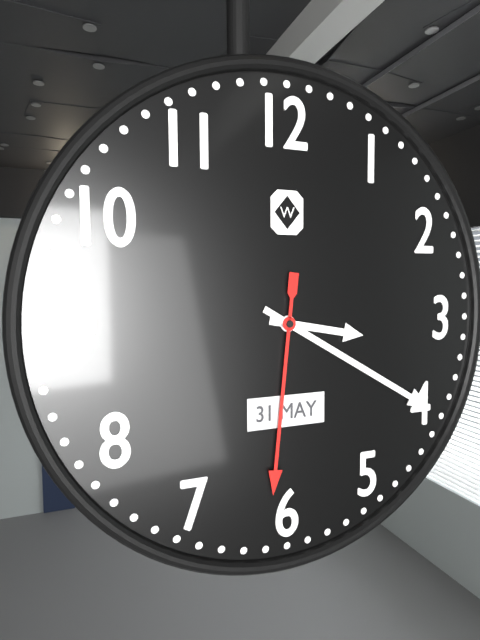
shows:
3,20,31
